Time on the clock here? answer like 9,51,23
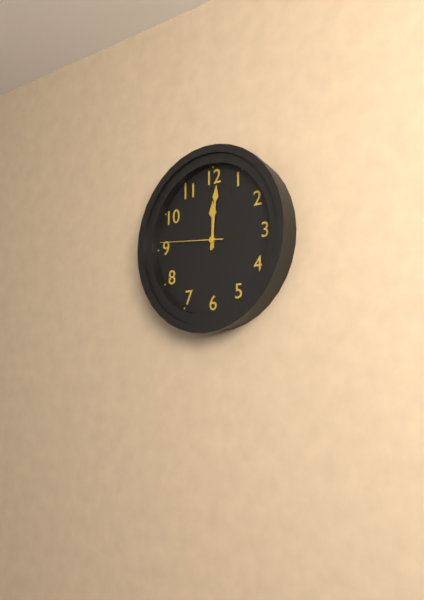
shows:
12,01,46
